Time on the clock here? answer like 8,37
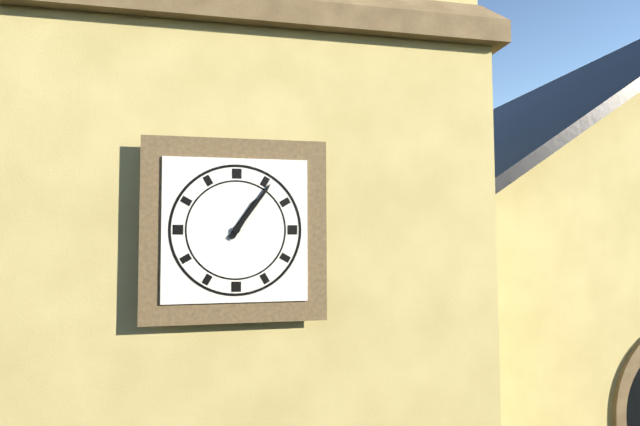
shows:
1,06
